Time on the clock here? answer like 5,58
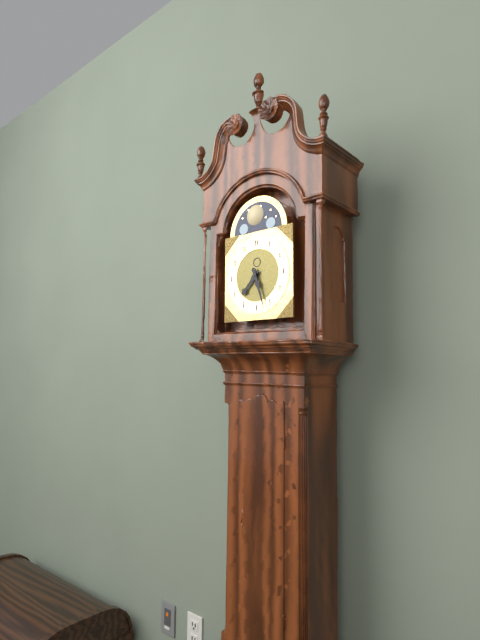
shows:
7,27
